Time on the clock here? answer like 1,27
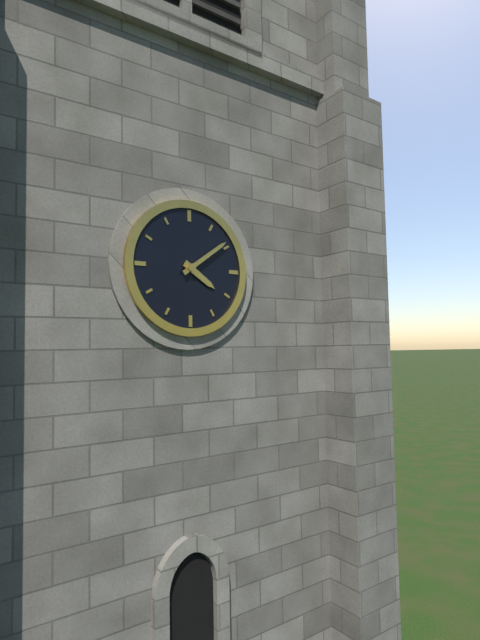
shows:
4,09
